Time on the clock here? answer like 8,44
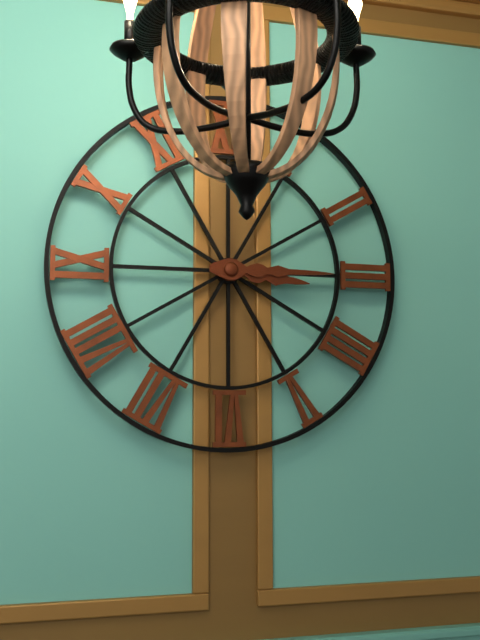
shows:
3,15
